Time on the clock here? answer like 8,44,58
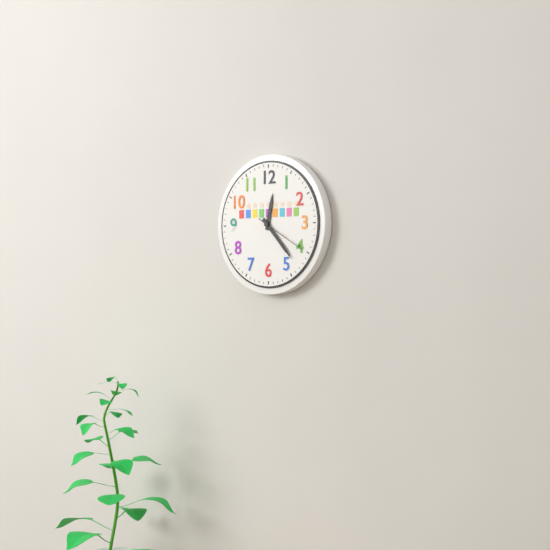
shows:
12,23,20
